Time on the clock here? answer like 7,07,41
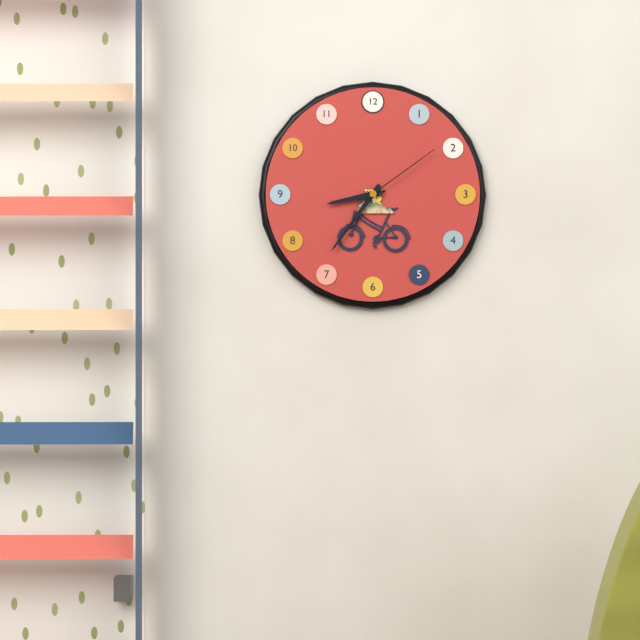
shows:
8,36,09
